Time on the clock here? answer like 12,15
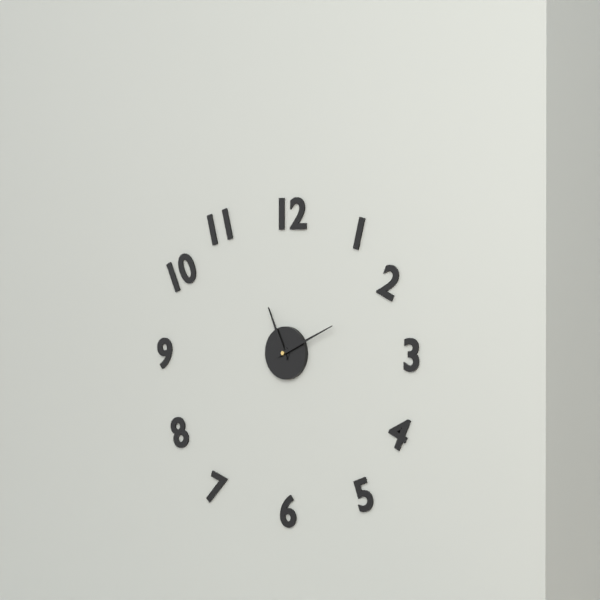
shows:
11,11
